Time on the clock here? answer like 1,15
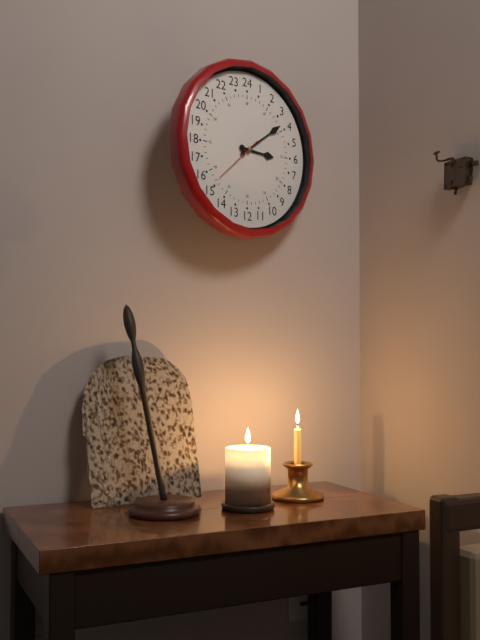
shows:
3,09
